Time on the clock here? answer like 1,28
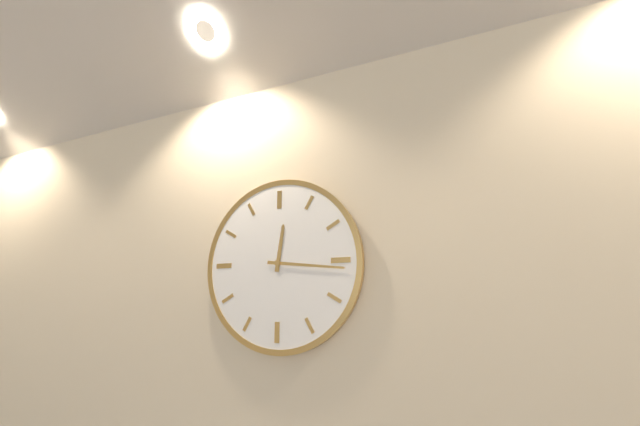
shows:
12,16
